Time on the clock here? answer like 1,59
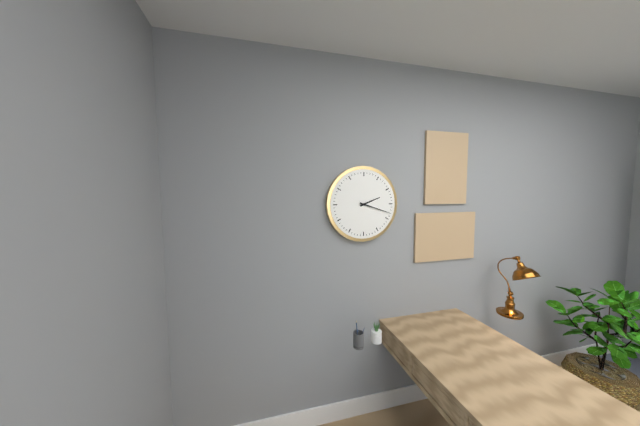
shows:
2,18
